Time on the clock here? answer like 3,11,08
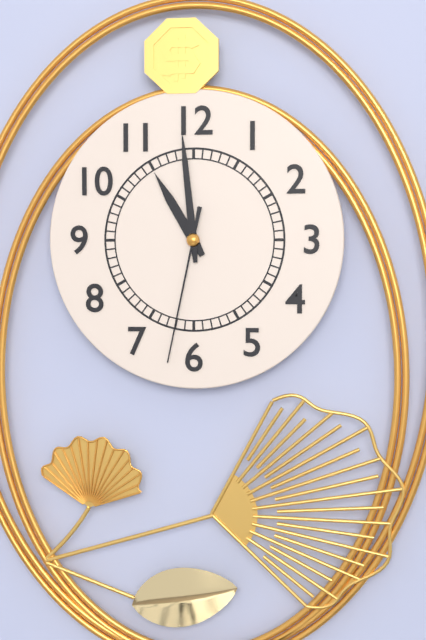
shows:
10,59,32
